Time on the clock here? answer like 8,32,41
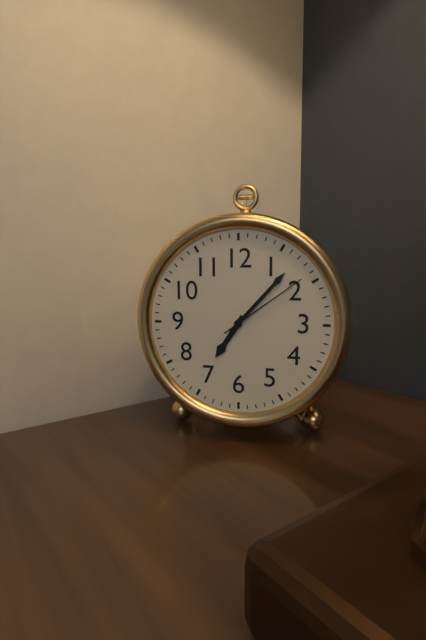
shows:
7,07,09
